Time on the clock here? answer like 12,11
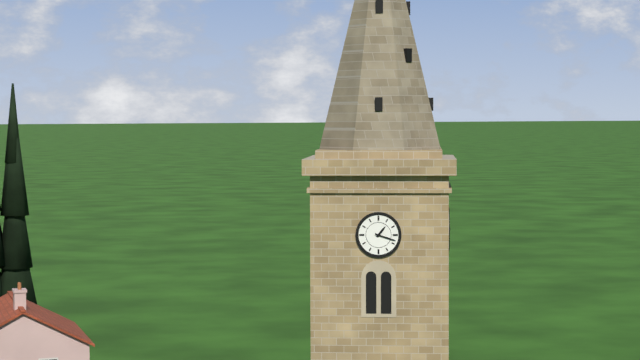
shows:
1,18
